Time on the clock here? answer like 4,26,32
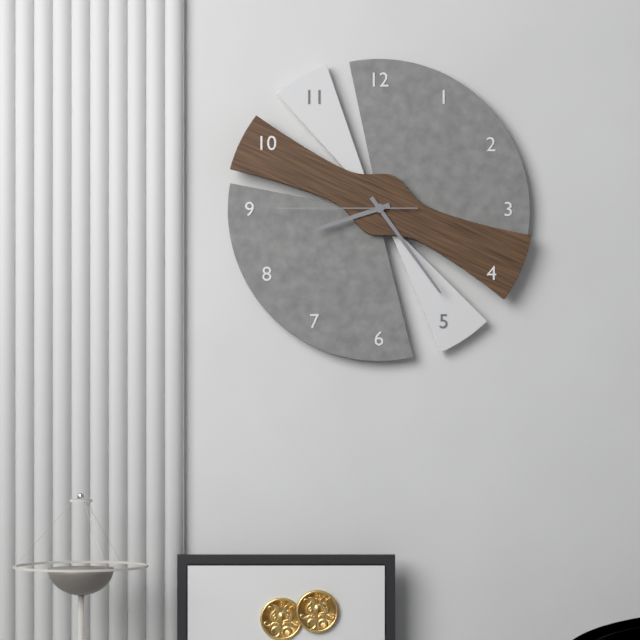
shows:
8,24,45
